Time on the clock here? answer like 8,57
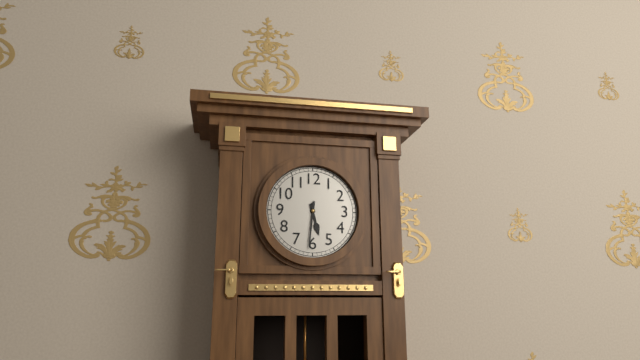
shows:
5,31
